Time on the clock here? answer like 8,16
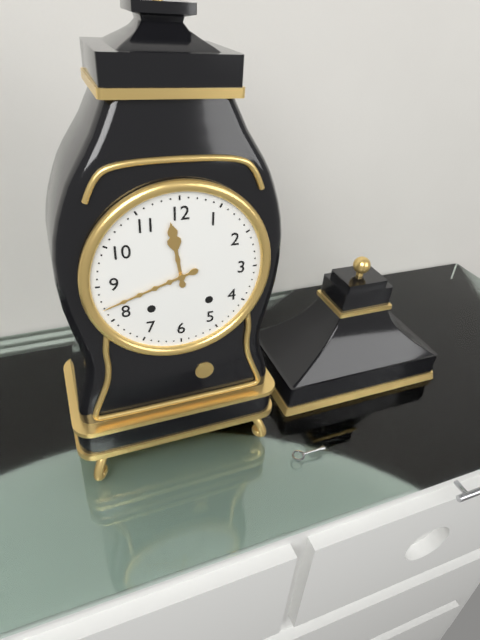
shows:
11,42
